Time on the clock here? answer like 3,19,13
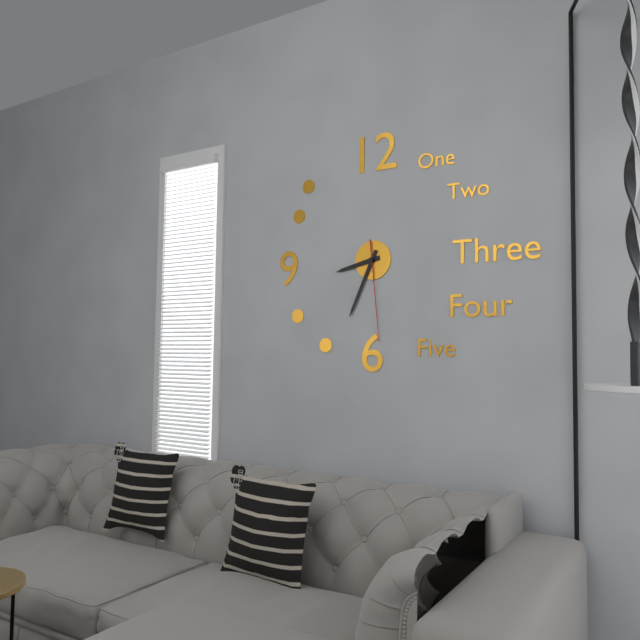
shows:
8,34,29
